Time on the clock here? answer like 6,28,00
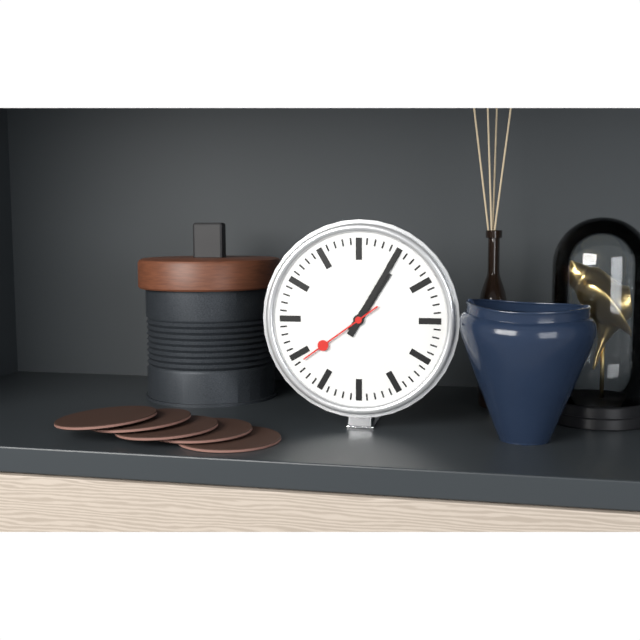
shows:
1,05,39
